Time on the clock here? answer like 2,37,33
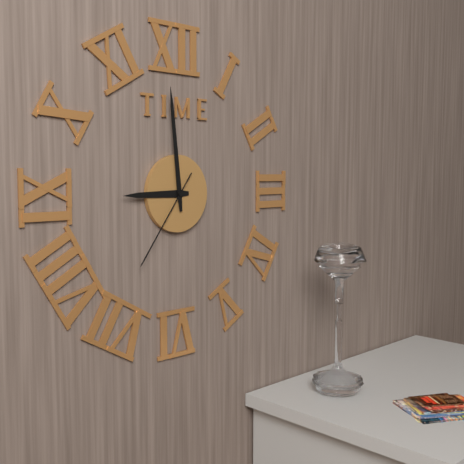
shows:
8,59,36
